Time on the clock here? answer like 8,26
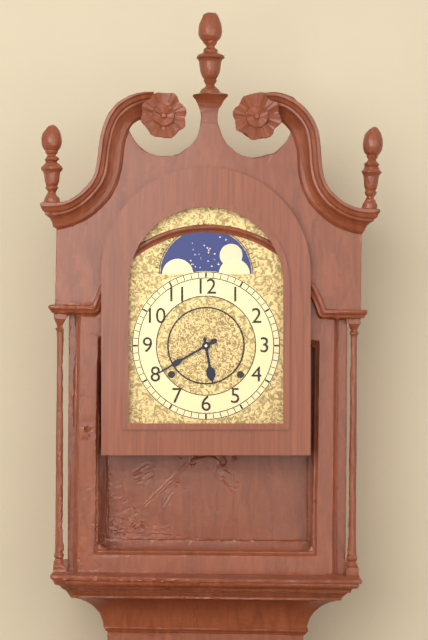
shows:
5,40
